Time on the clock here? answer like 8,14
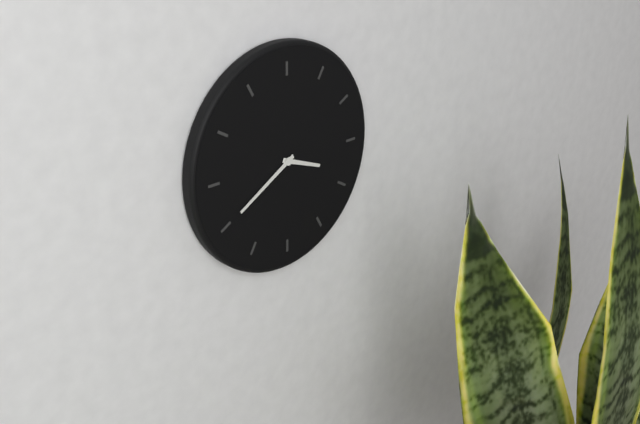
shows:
3,40
